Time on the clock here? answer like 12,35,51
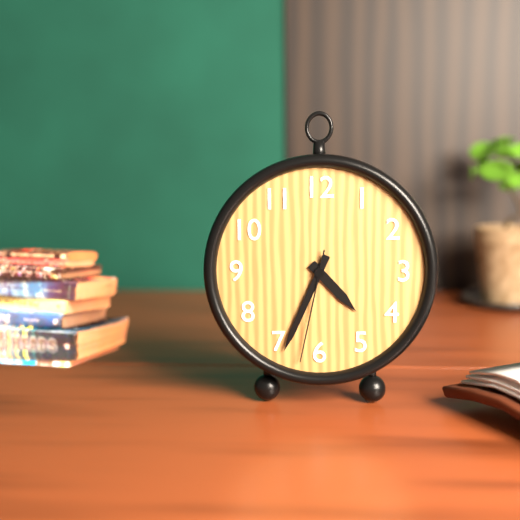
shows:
4,34,32
